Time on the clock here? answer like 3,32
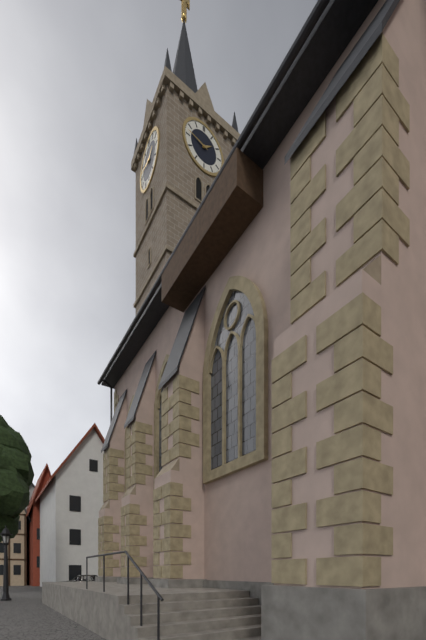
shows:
1,47
